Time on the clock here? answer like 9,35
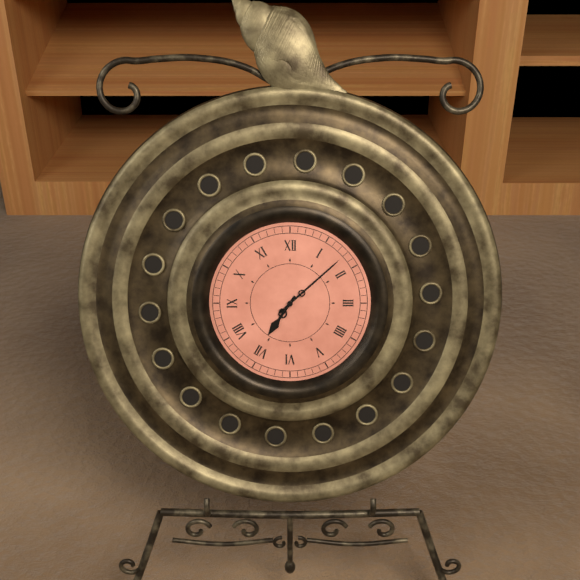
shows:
7,08
